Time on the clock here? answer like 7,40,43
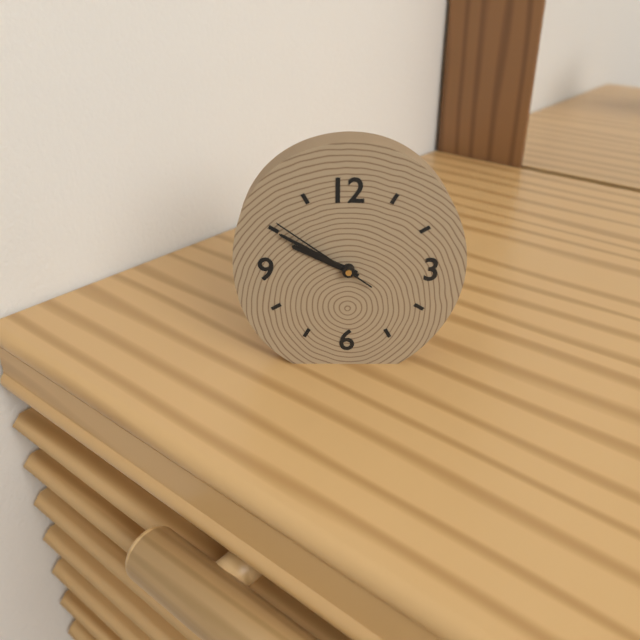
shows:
9,50,51
